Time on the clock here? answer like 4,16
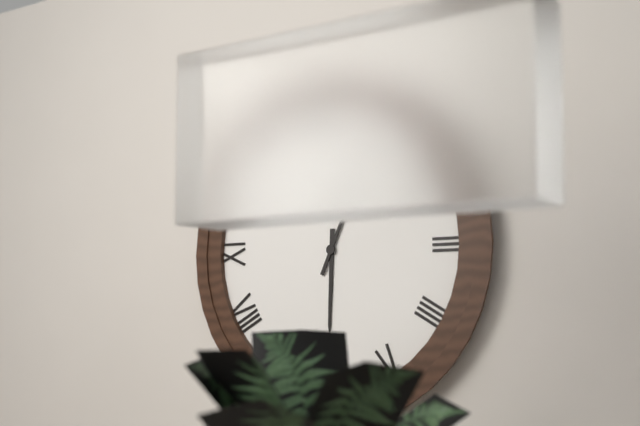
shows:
6,04
